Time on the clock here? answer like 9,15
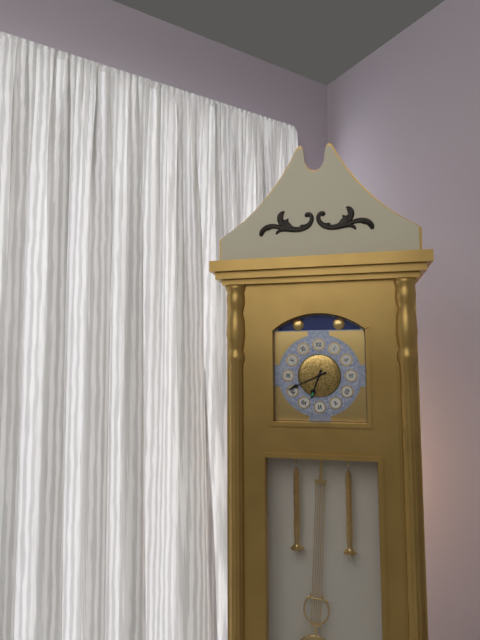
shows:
6,41
